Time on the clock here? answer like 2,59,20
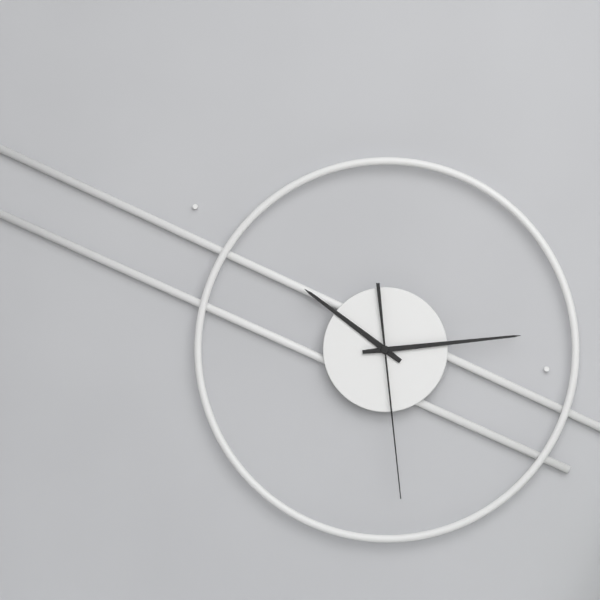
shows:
10,14,29
